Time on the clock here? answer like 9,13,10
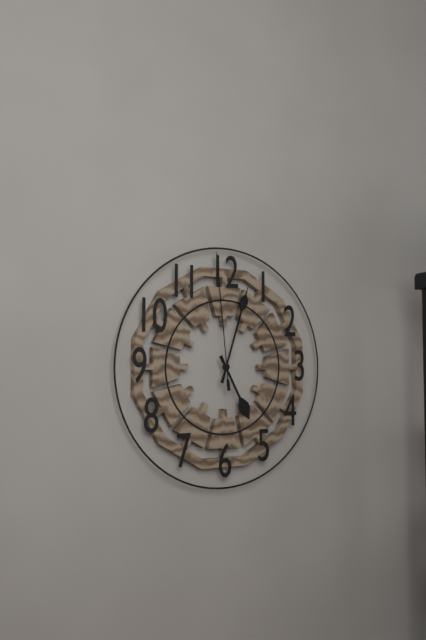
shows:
5,03,59
